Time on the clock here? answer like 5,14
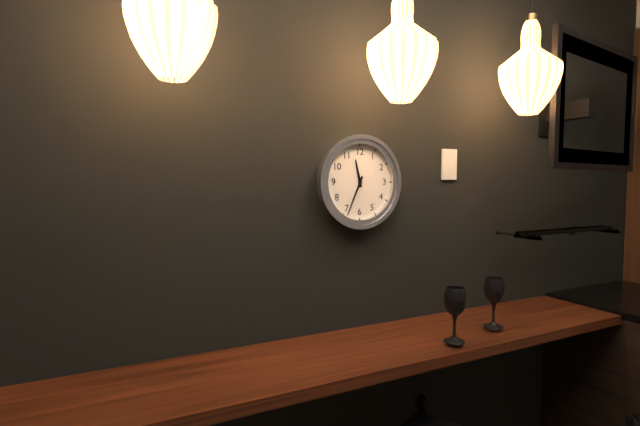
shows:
11,34
